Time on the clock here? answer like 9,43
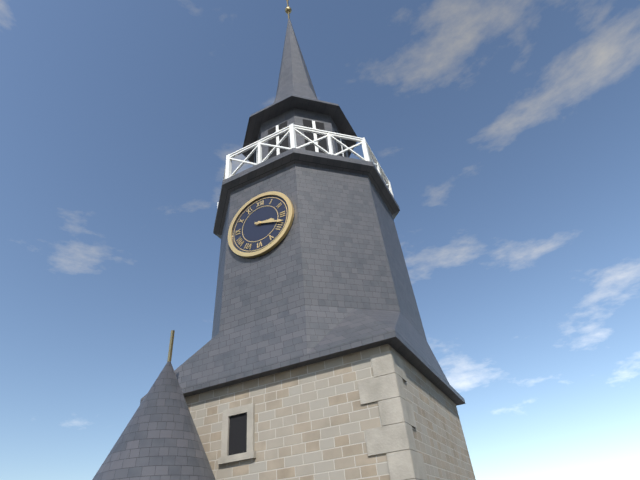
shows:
3,18
